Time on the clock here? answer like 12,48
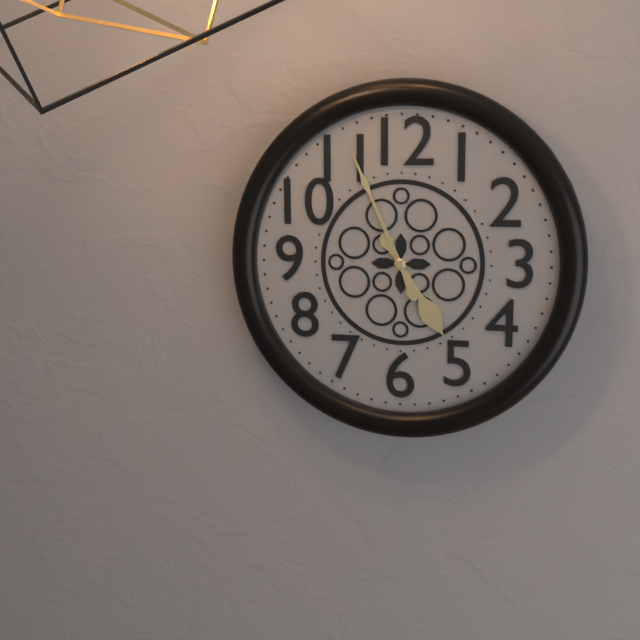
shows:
4,56
